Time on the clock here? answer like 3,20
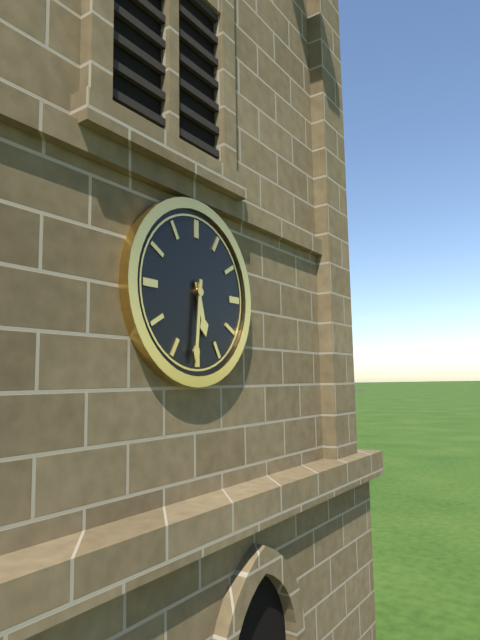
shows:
5,31
